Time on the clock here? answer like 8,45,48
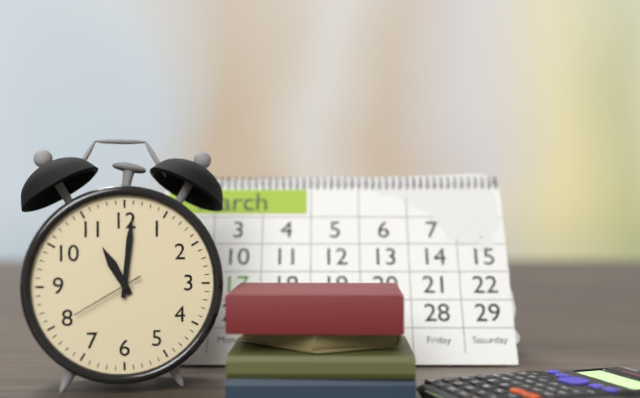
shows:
11,01,40
